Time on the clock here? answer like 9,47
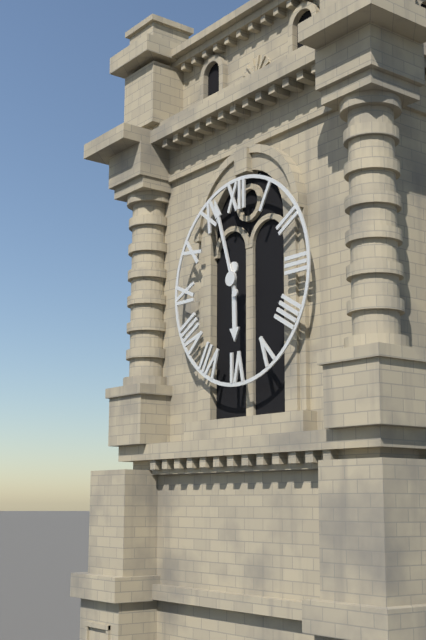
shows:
5,57
